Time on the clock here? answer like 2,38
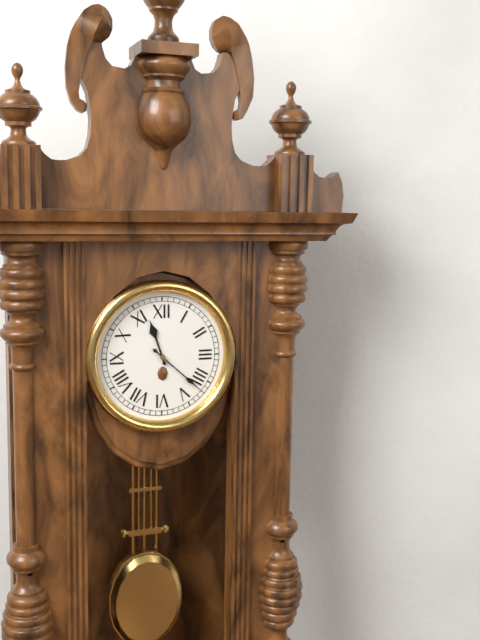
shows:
11,22
